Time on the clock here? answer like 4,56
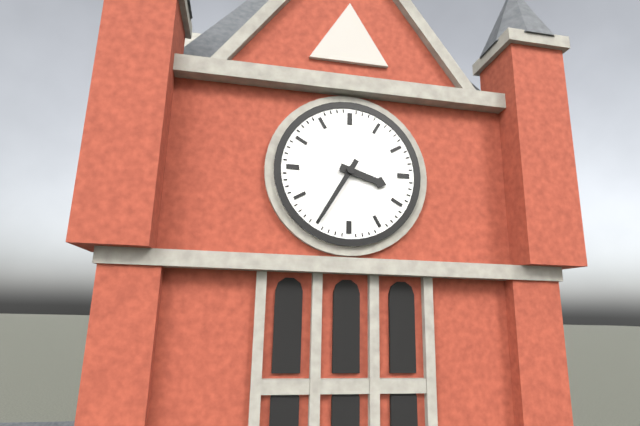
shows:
3,35
